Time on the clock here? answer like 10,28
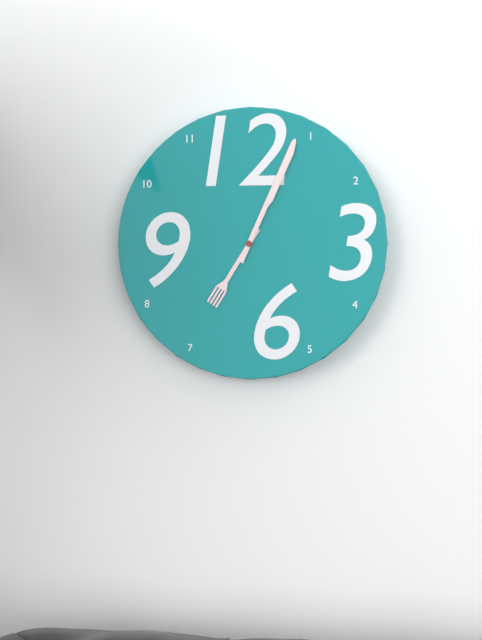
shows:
7,04
